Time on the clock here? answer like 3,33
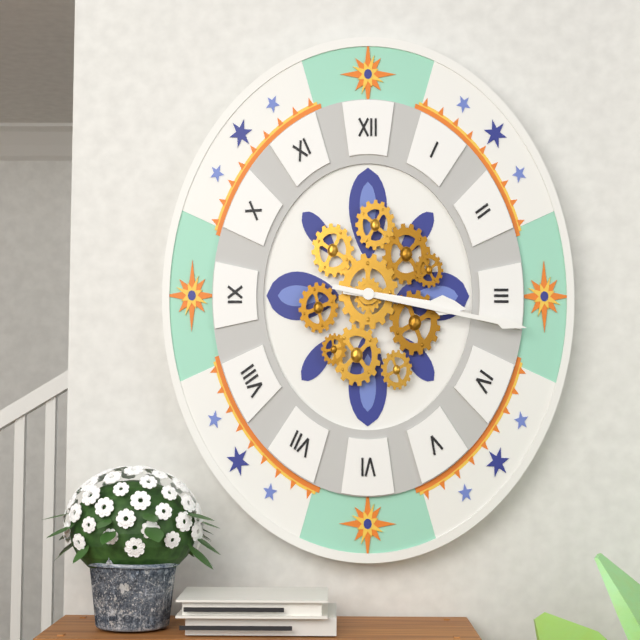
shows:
3,17
